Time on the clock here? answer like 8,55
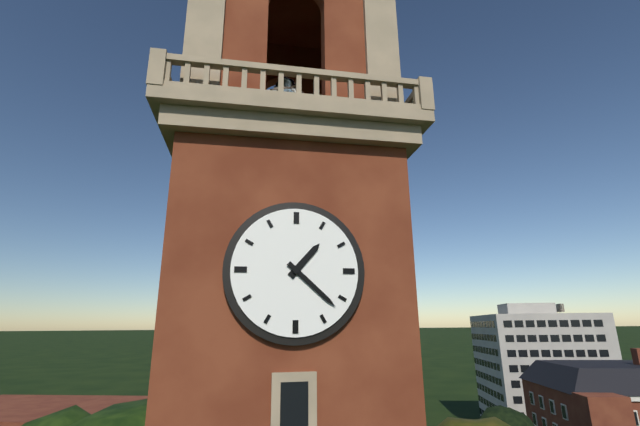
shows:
1,22
